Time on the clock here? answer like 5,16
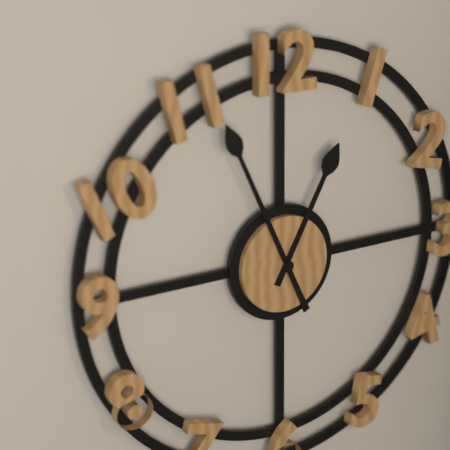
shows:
12,56
